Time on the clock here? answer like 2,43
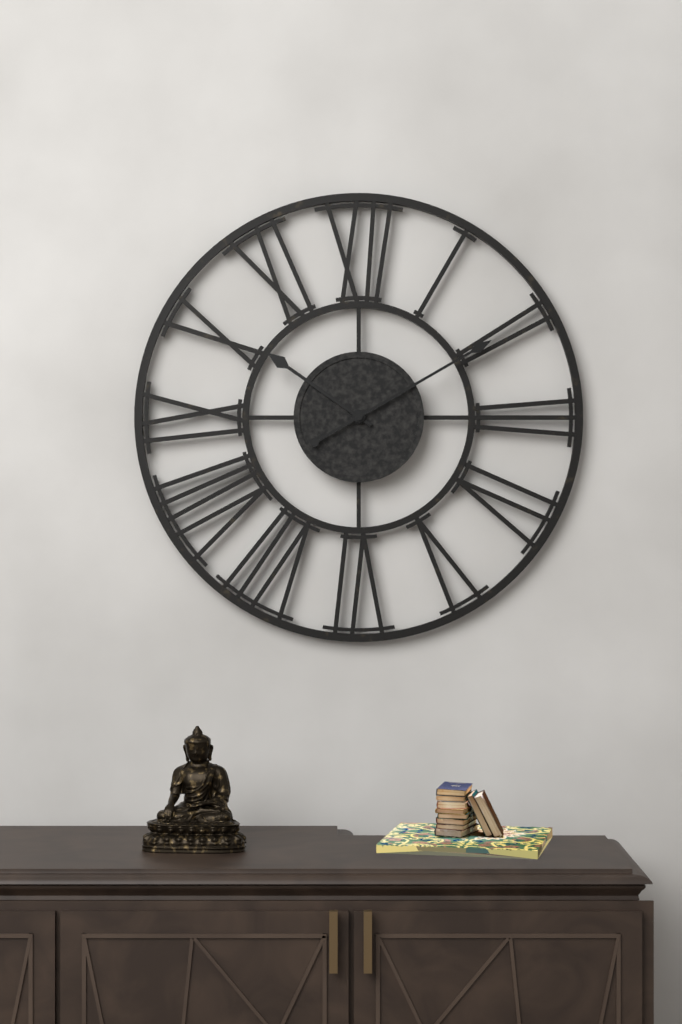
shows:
10,10
